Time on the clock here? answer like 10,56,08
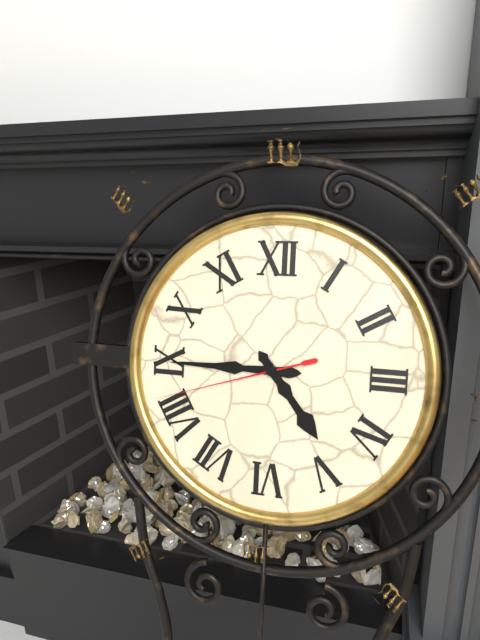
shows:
4,45,42
